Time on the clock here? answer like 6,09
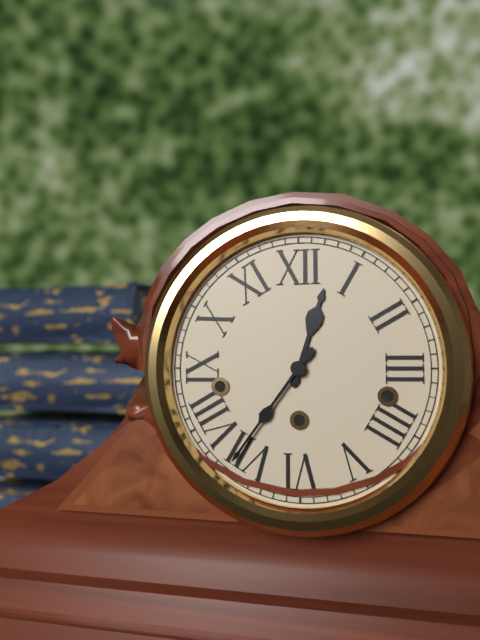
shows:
12,36
